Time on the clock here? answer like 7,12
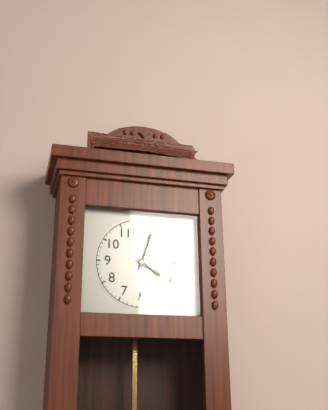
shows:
4,03
